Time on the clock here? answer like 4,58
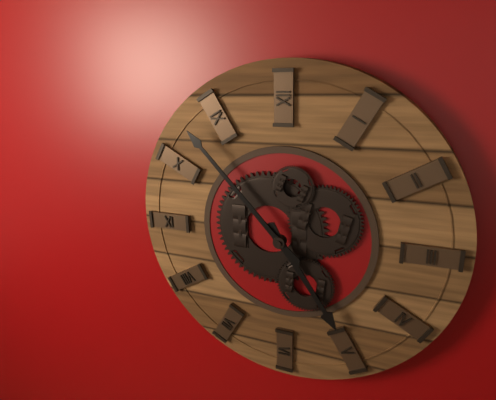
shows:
4,53
